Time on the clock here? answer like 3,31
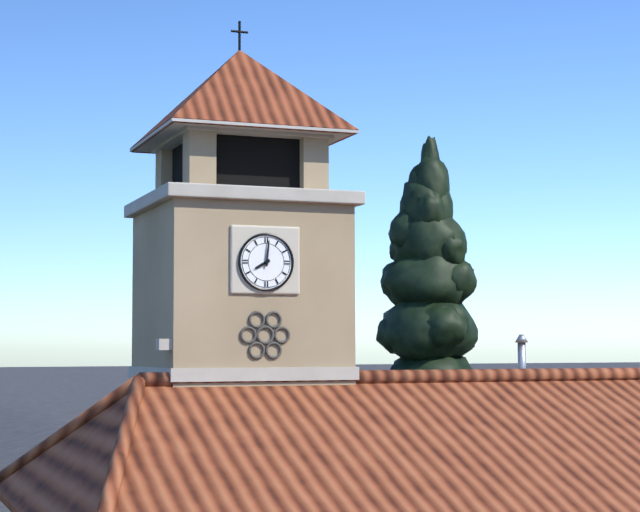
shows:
8,01
